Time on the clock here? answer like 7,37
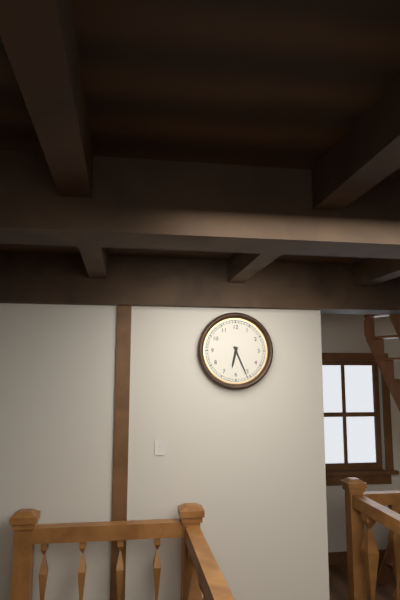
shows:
6,26
